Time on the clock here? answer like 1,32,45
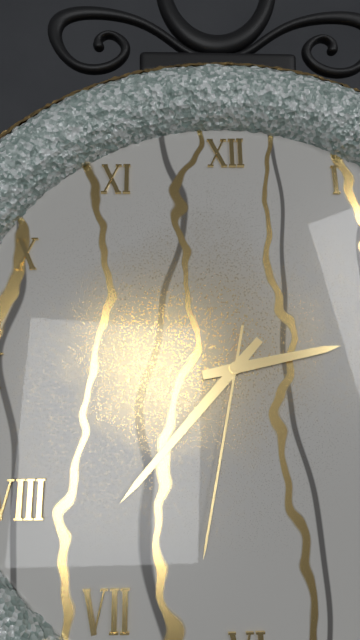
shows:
2,37,32
